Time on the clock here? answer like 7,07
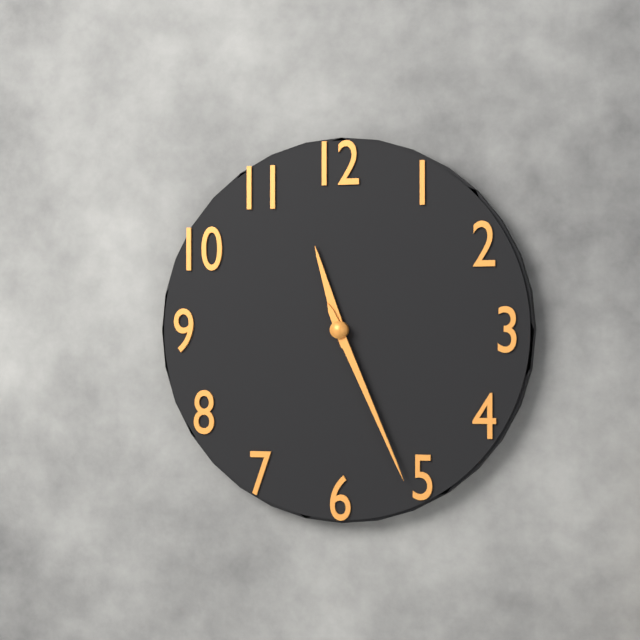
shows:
11,26
